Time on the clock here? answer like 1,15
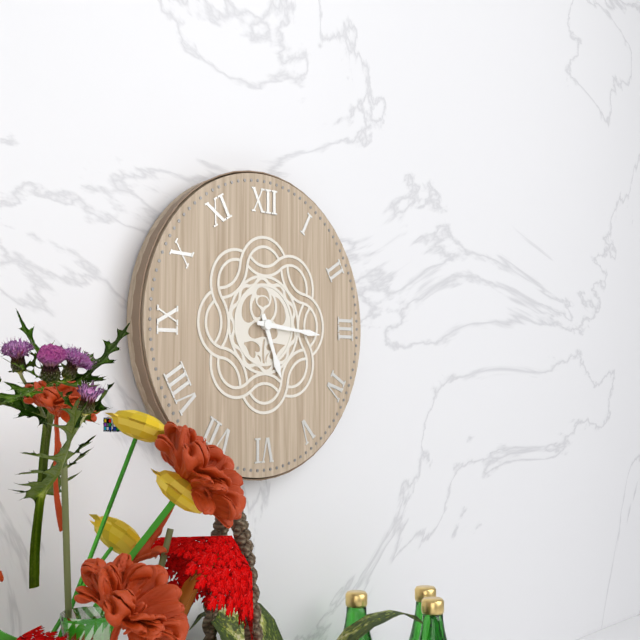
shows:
5,16
